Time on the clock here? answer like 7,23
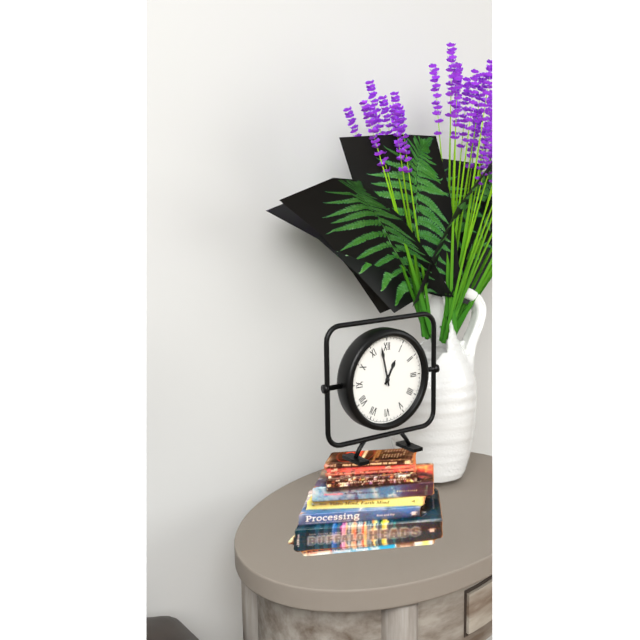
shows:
12,58
